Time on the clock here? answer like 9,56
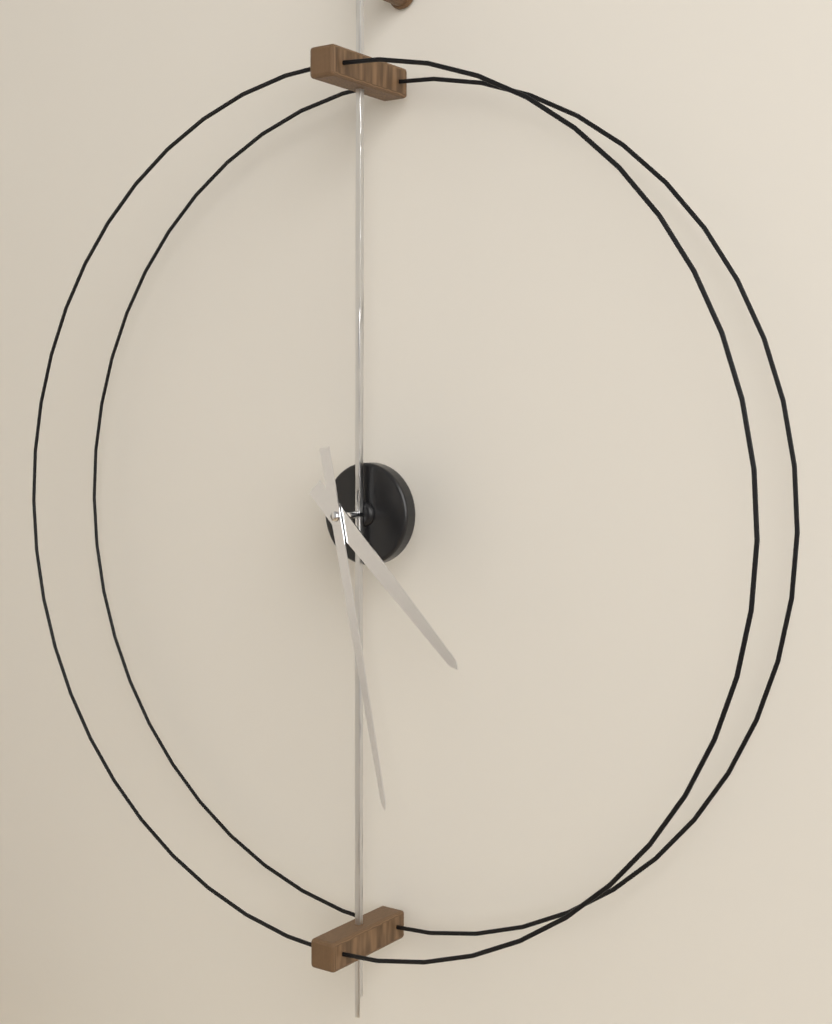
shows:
4,28
